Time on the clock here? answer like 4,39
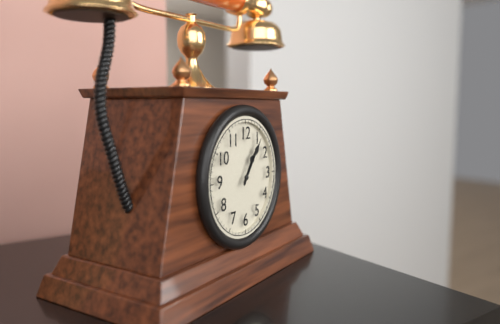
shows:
1,06
